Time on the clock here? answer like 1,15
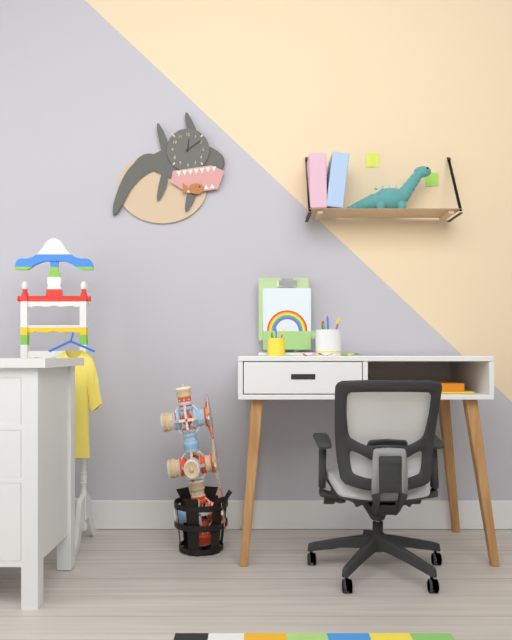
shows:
12,09
